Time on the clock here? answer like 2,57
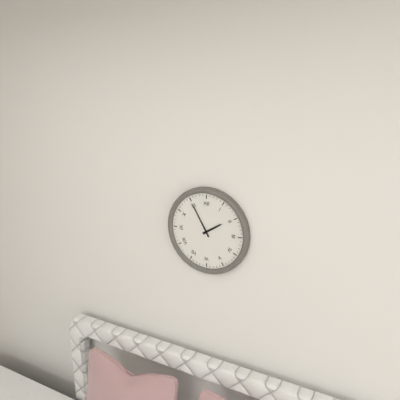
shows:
1,55
